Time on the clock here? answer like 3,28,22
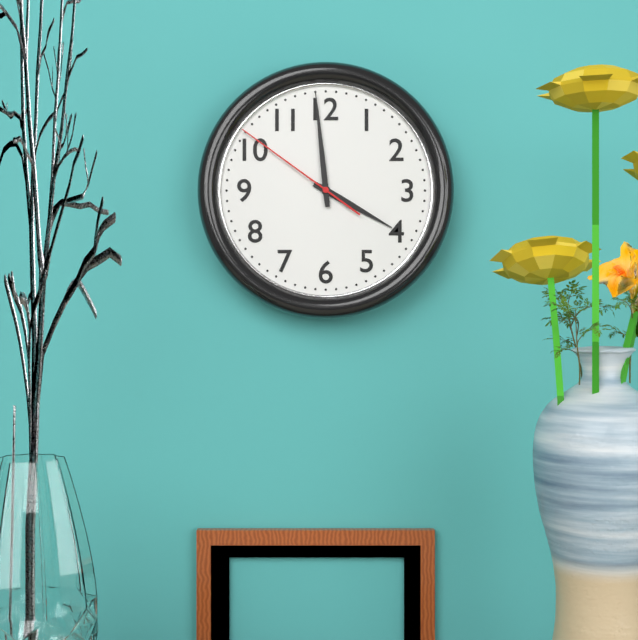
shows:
3,59,51
